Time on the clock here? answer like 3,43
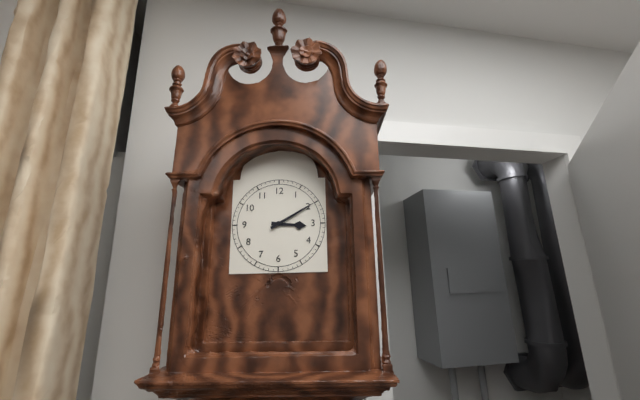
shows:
3,10
